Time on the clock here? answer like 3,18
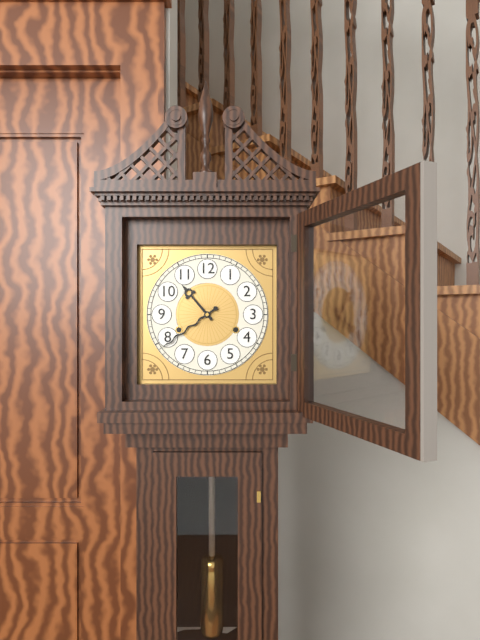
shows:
10,39
